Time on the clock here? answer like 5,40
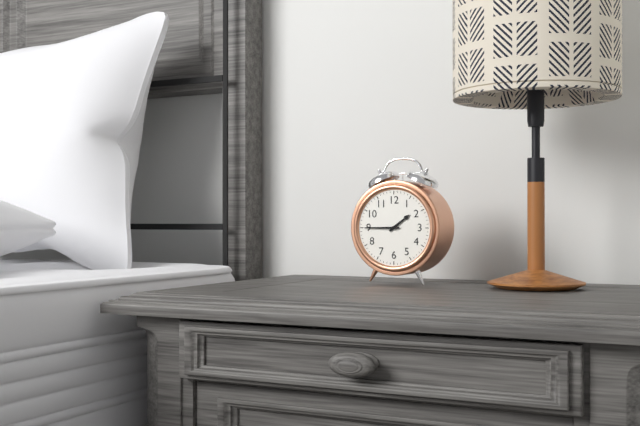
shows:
1,45
